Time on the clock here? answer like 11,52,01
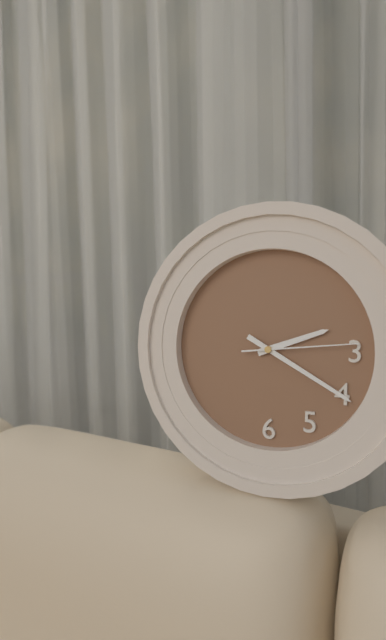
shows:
2,20,14
